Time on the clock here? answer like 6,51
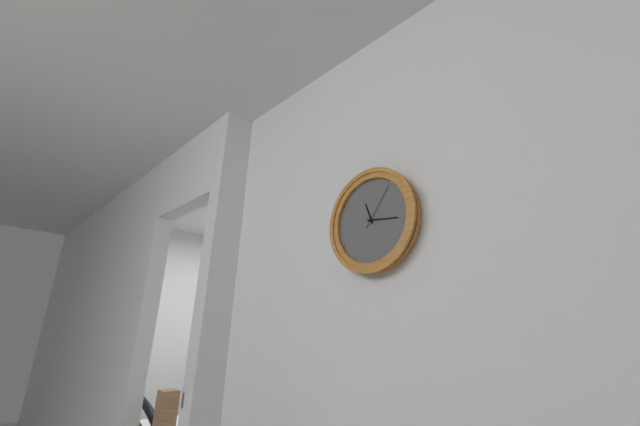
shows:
11,16
